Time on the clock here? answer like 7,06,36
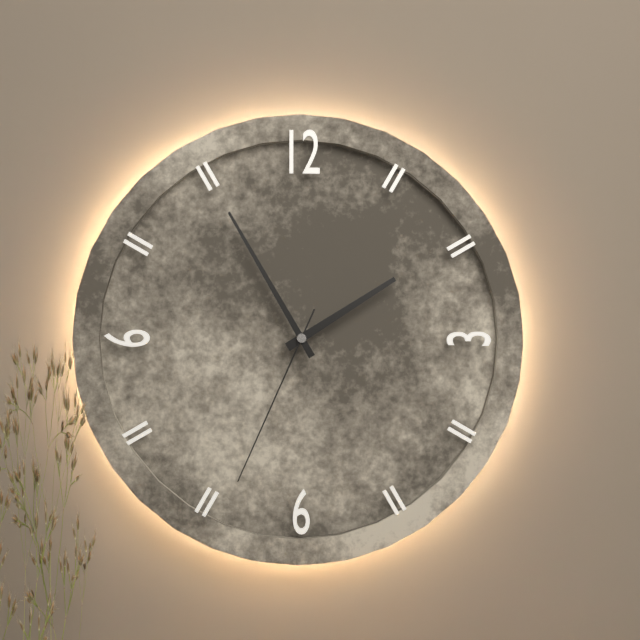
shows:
1,55,34
